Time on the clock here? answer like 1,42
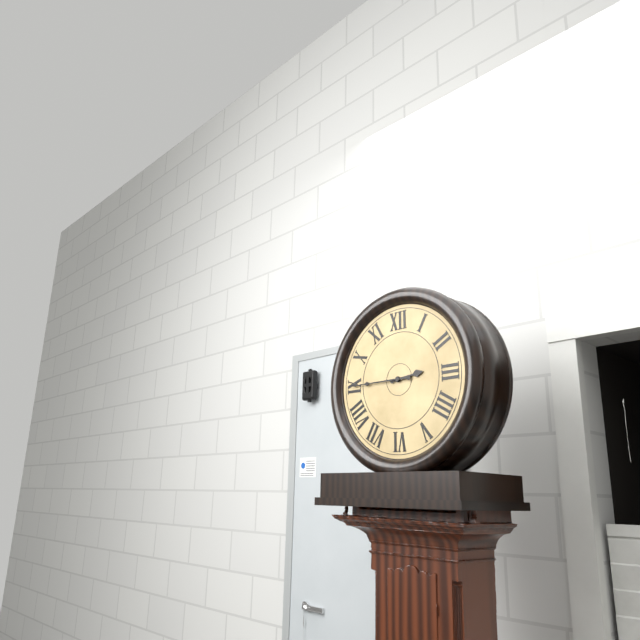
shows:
2,45
